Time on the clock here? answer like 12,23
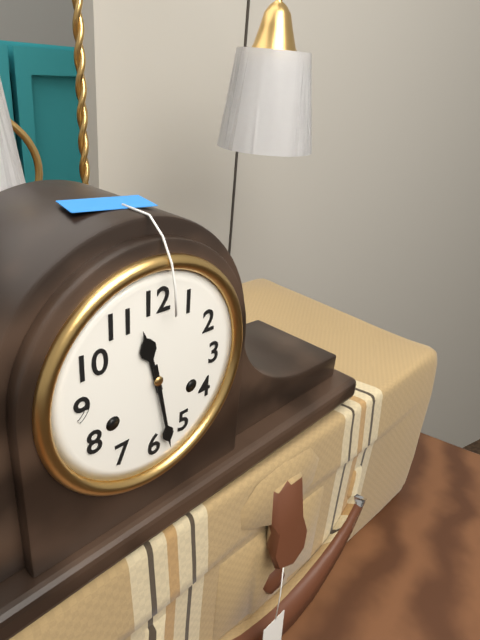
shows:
11,28
